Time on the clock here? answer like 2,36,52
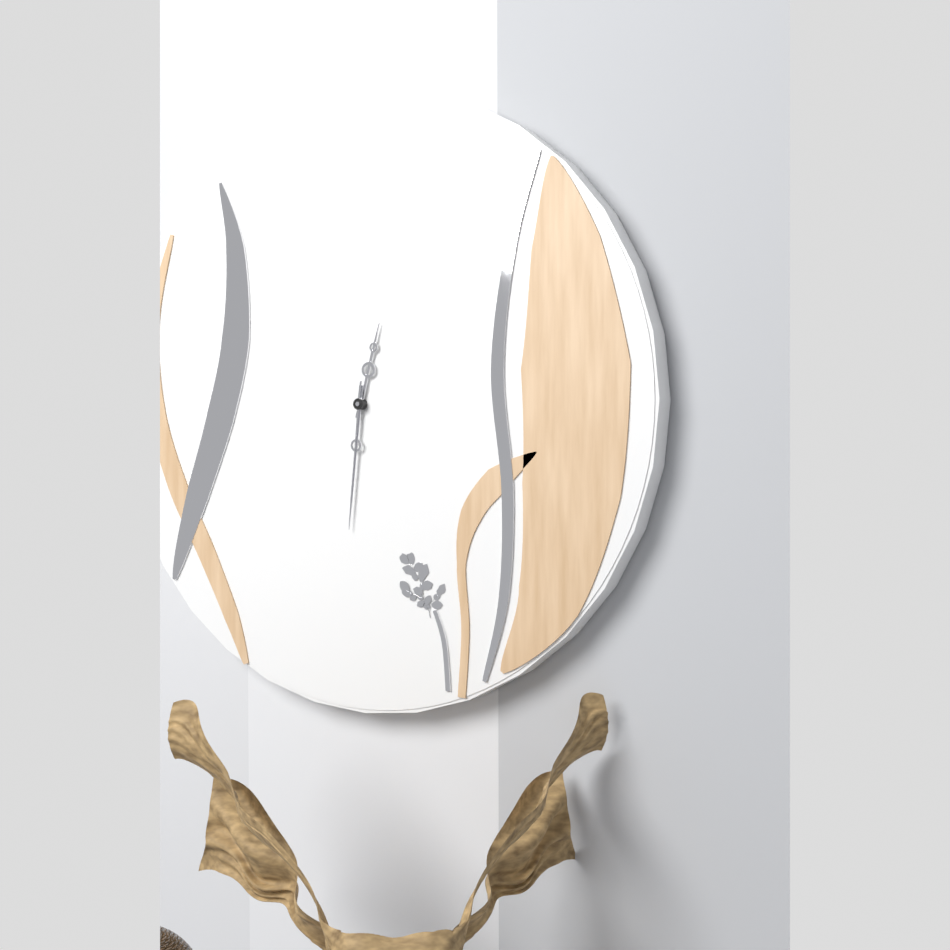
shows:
12,31,31
